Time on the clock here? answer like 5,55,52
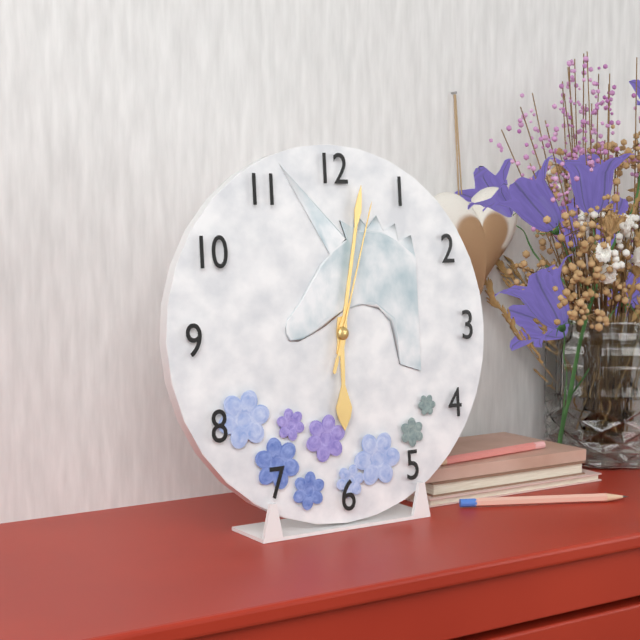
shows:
6,02,03
